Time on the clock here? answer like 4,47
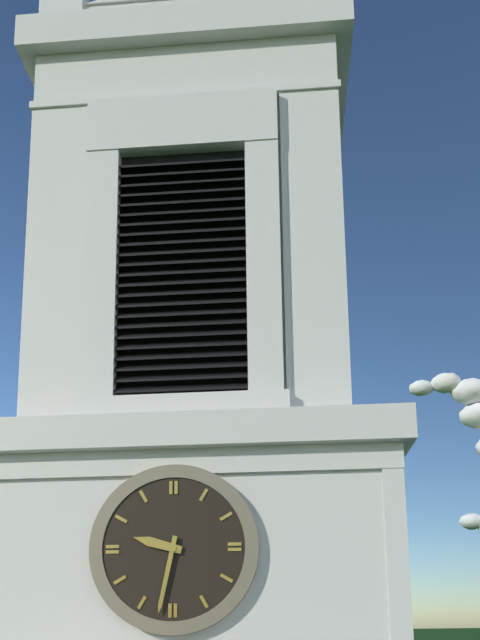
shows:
9,32
